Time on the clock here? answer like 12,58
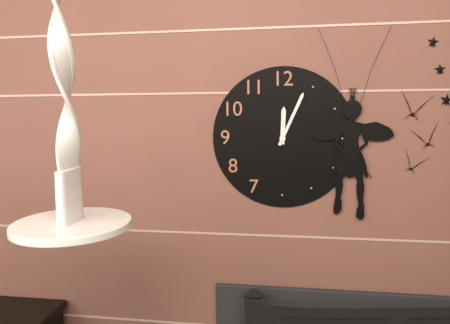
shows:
12,04
